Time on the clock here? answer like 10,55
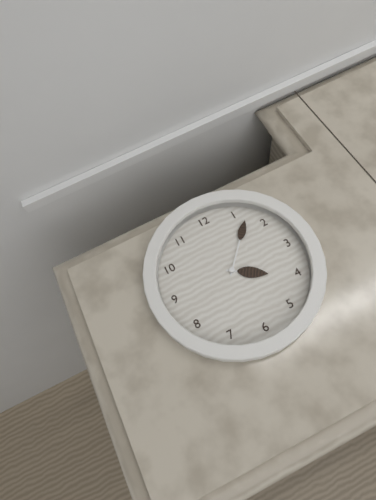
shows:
4,07
